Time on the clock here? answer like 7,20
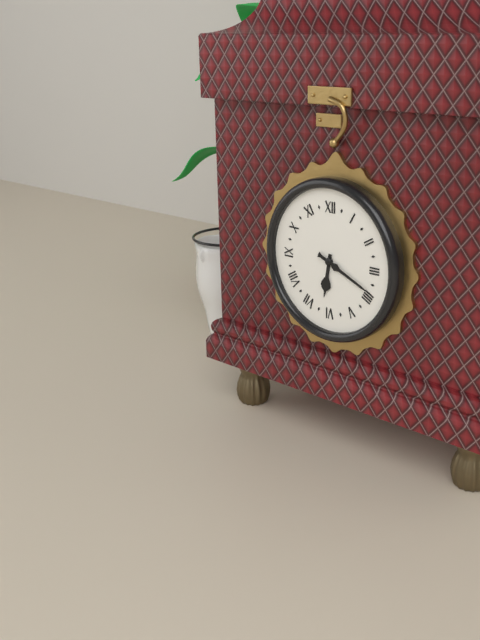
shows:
6,19
